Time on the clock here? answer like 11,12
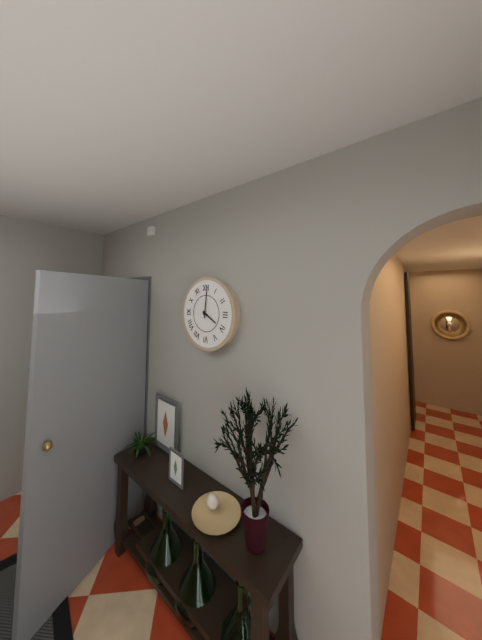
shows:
4,01
